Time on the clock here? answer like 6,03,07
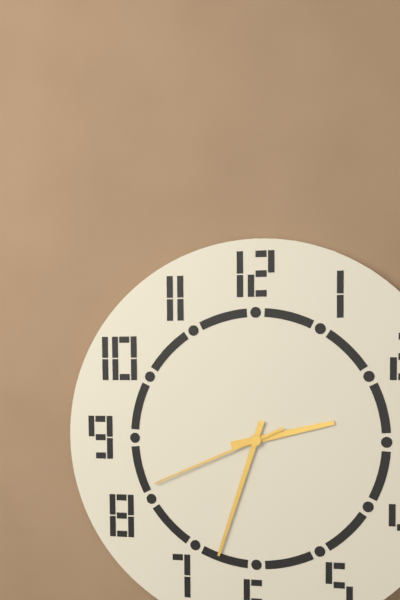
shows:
2,33,41
